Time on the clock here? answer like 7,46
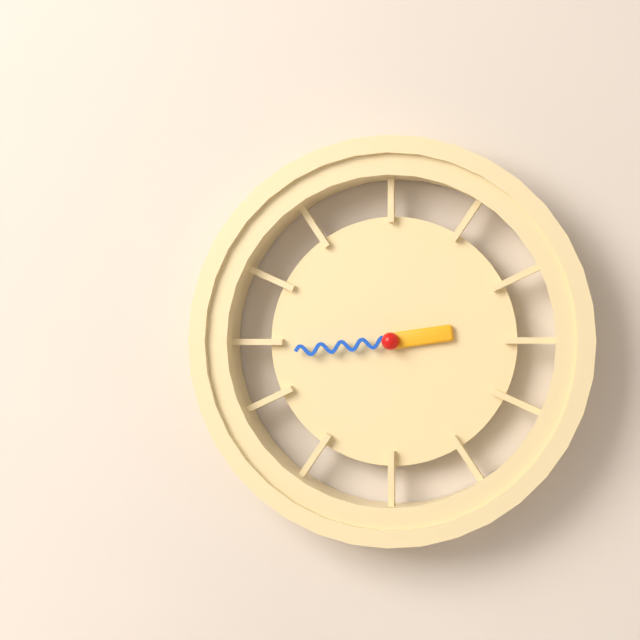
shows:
2,44
